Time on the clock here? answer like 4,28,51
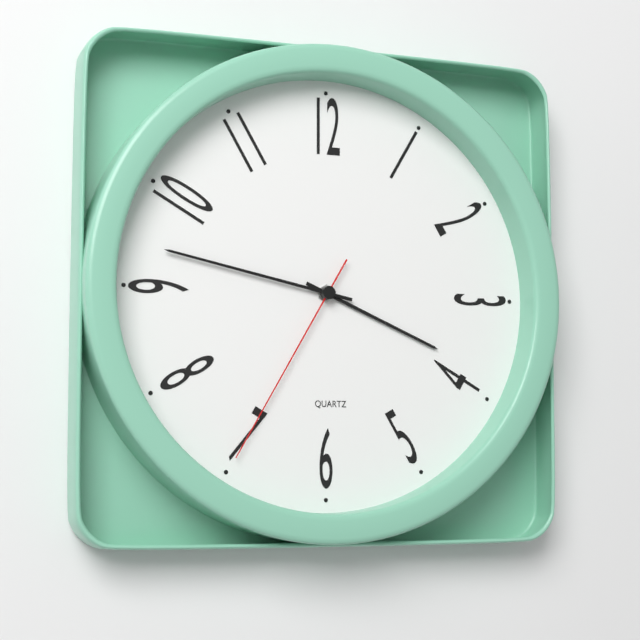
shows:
3,47,35
